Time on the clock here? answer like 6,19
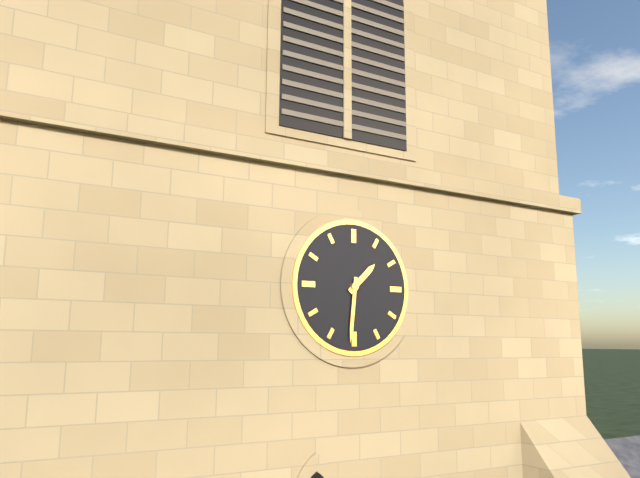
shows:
1,31
